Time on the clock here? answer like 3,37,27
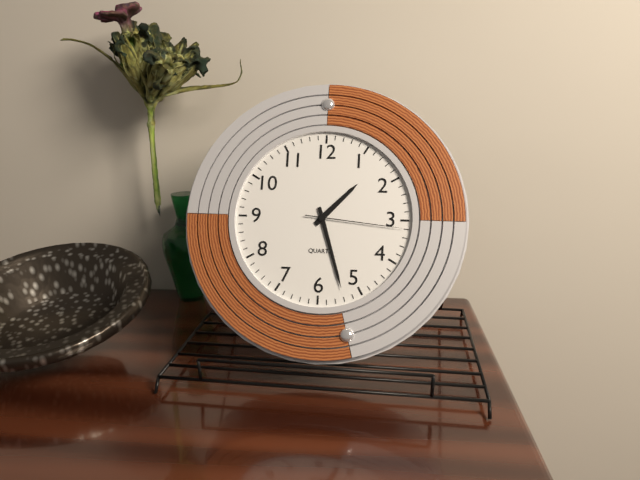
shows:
1,27,16
